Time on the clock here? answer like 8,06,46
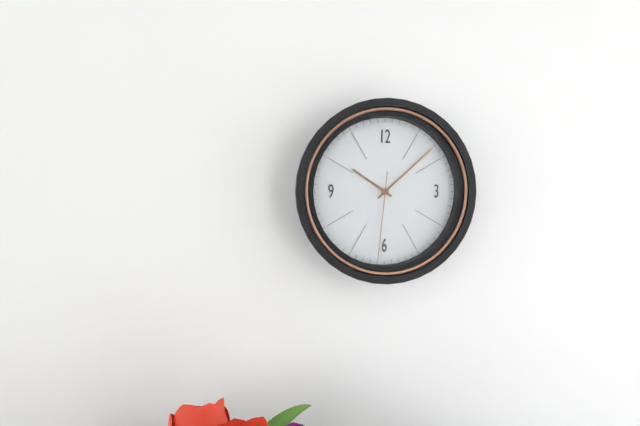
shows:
10,08,31
